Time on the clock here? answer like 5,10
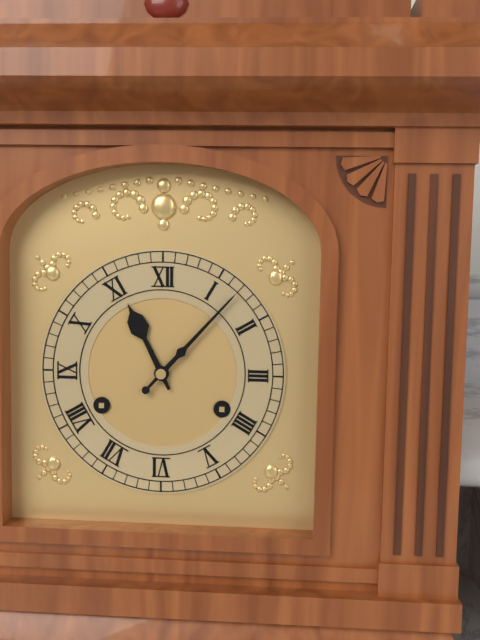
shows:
11,07
